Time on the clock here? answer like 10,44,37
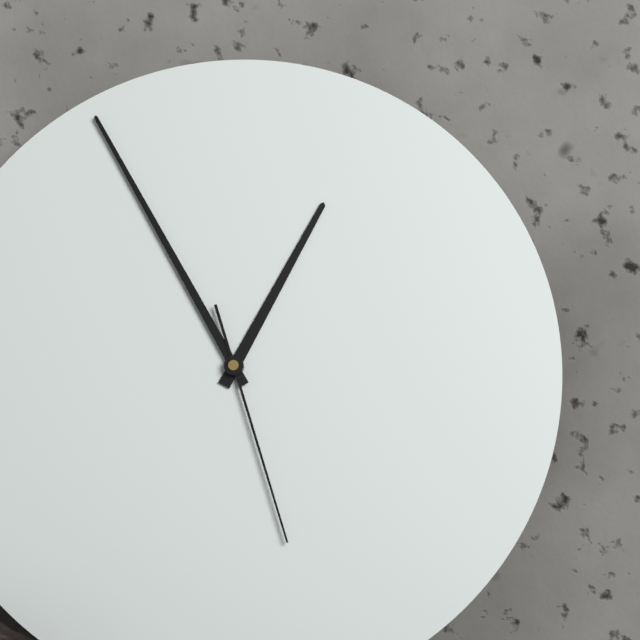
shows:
12,55,27
